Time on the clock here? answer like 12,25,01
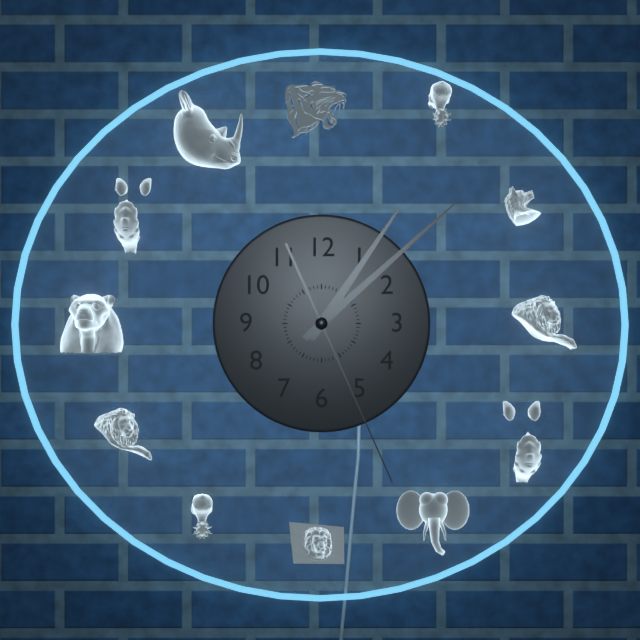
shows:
1,08,26
